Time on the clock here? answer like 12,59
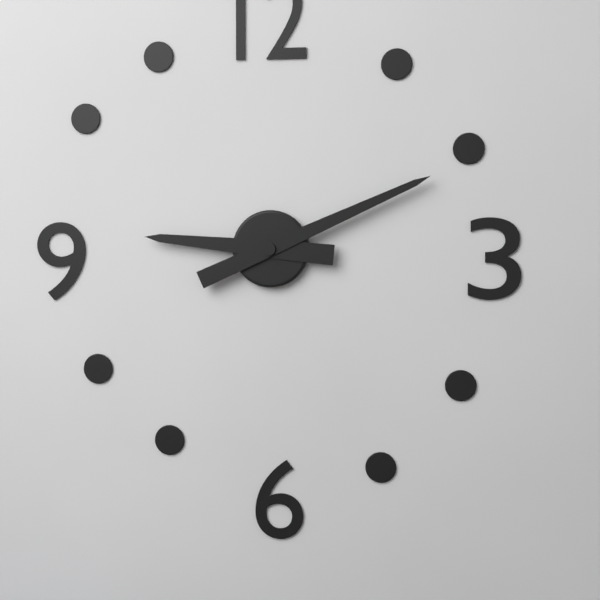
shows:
9,11
